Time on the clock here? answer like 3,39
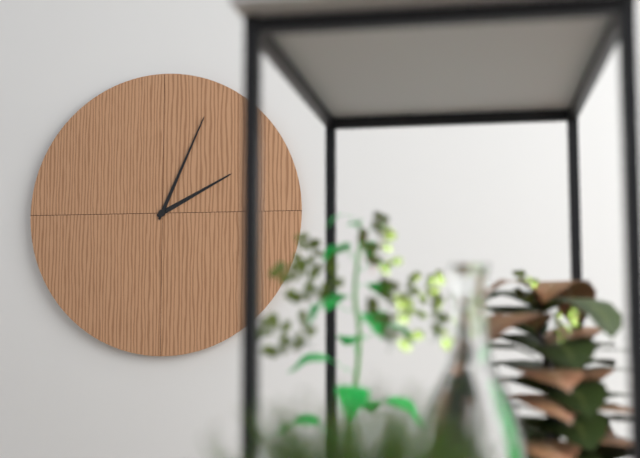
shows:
2,04
